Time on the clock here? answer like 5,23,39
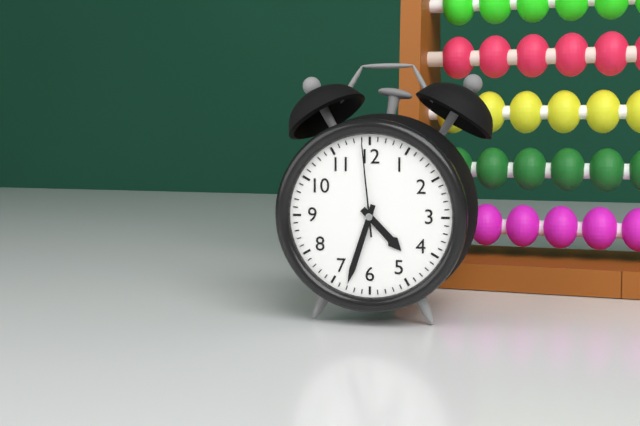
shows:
4,33,59
